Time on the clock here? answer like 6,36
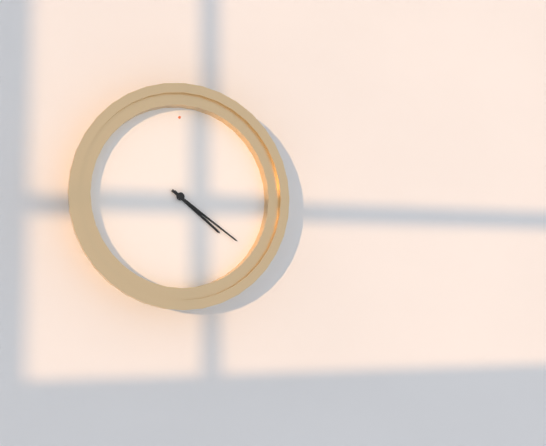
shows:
4,21
